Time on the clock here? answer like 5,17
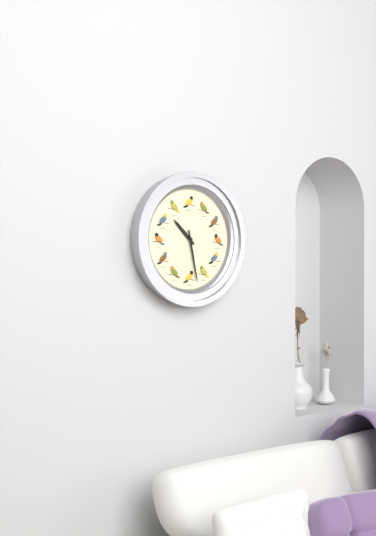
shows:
10,28
